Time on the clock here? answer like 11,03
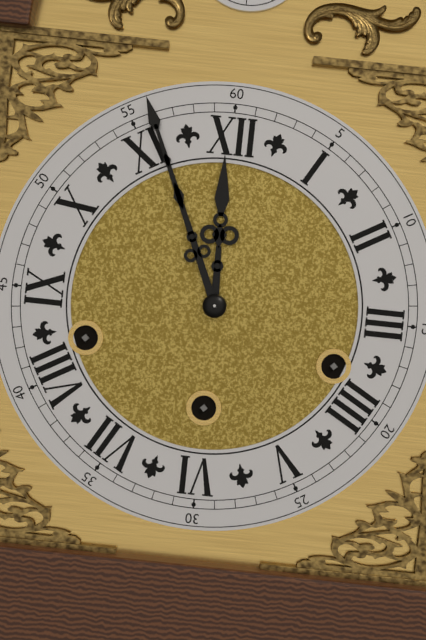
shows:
11,56
